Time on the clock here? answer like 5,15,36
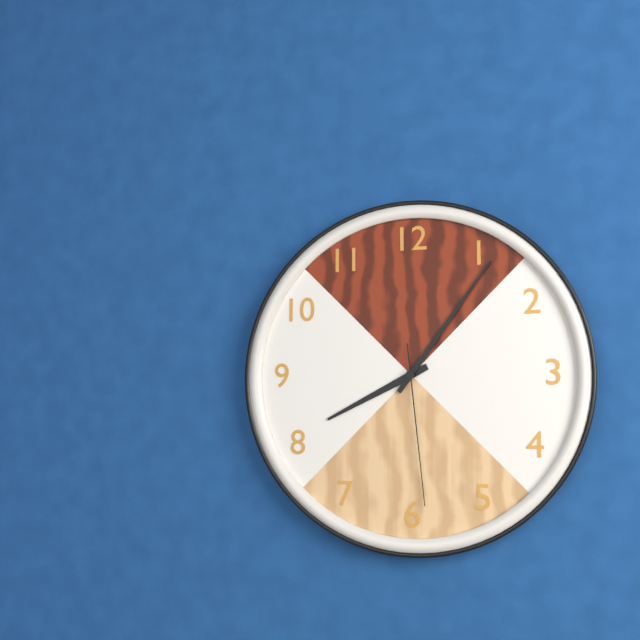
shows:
8,06,29
